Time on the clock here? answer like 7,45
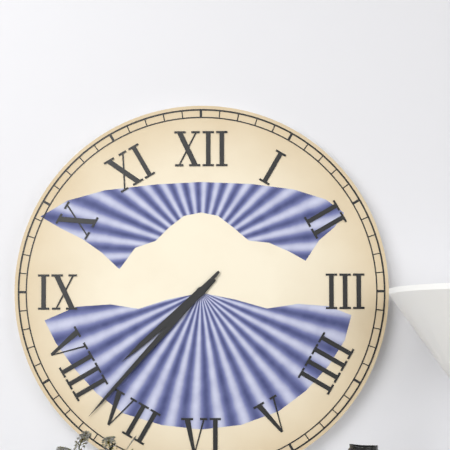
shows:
7,37
